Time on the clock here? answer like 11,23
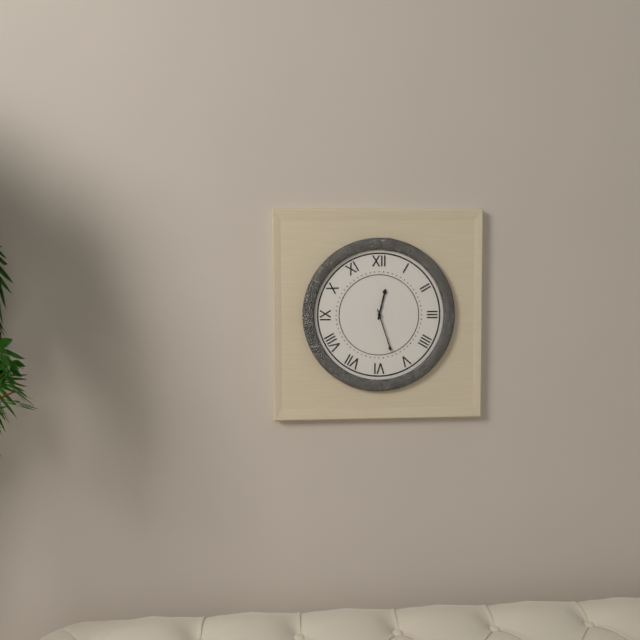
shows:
12,27
